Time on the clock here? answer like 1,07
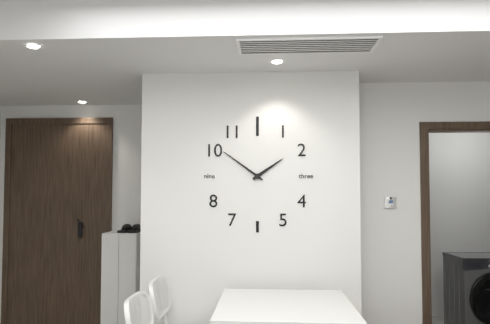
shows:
1,51
